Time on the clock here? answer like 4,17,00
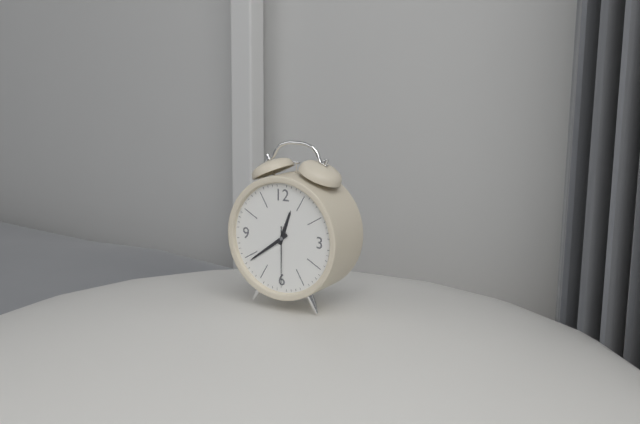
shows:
12,39,30
